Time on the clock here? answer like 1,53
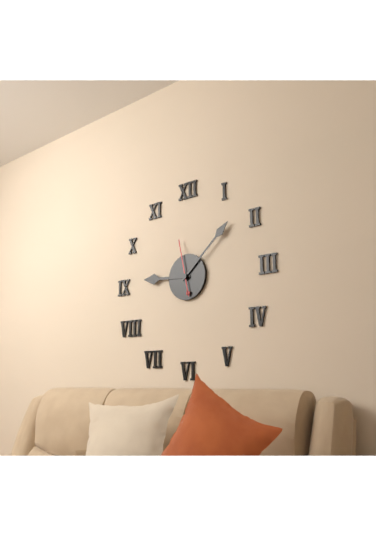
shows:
9,08
